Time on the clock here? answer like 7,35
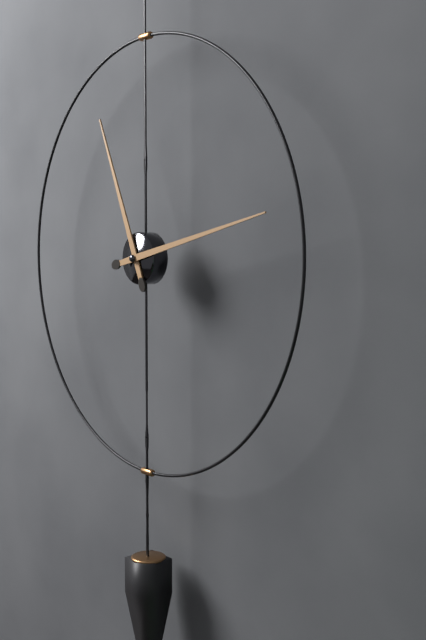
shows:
11,13
